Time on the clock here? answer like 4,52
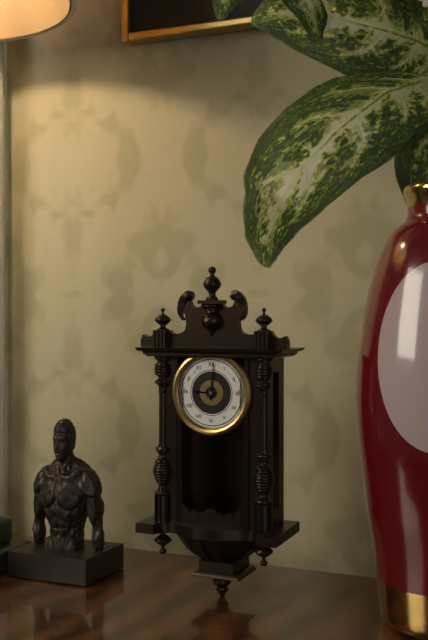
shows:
9,01
